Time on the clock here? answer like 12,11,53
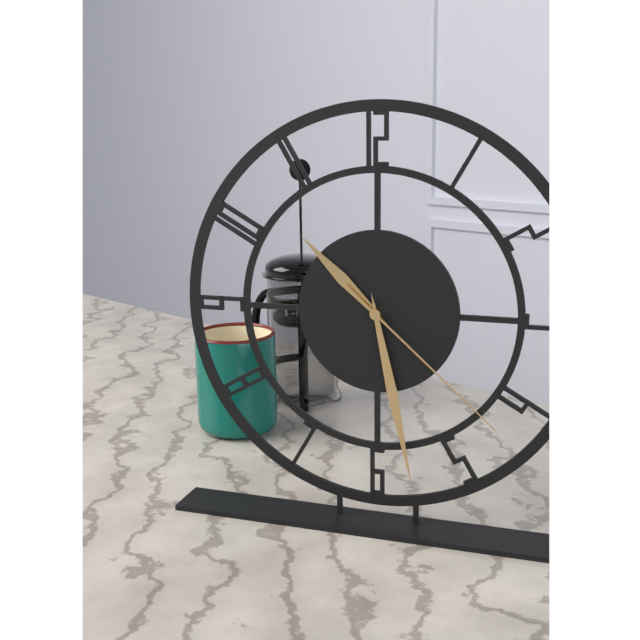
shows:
10,28,22
